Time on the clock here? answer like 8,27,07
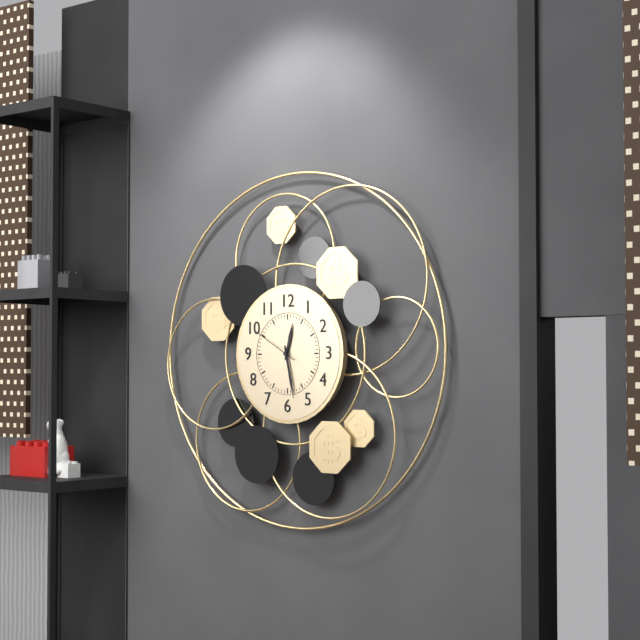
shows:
12,28,50
